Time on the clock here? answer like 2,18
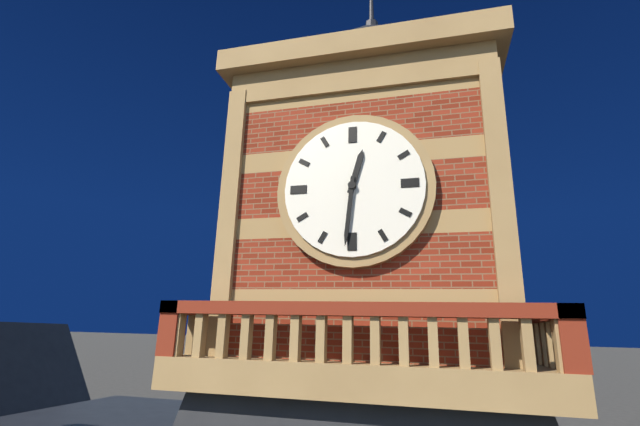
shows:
12,31
